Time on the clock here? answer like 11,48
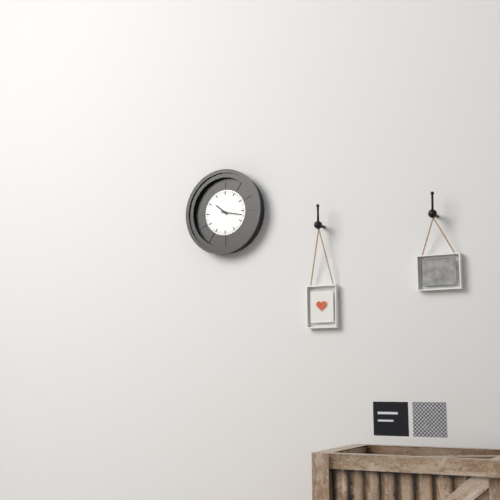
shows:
10,17
